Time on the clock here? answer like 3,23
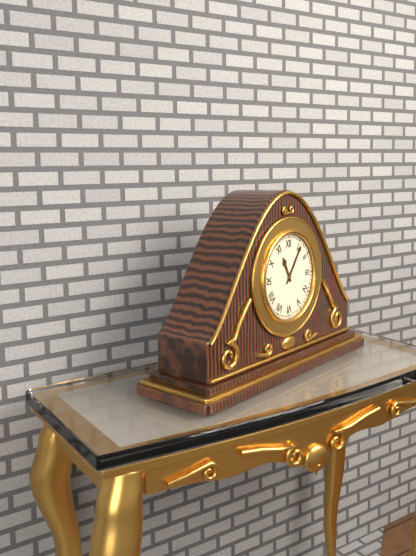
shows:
11,06
